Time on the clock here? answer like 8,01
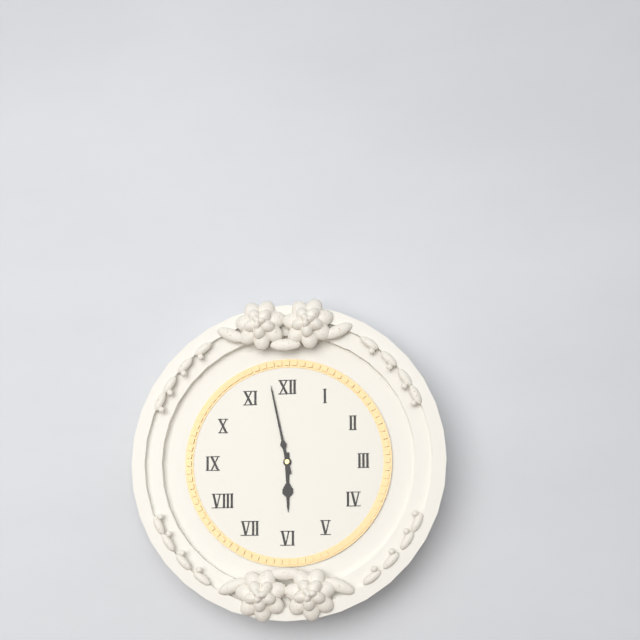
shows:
5,58
